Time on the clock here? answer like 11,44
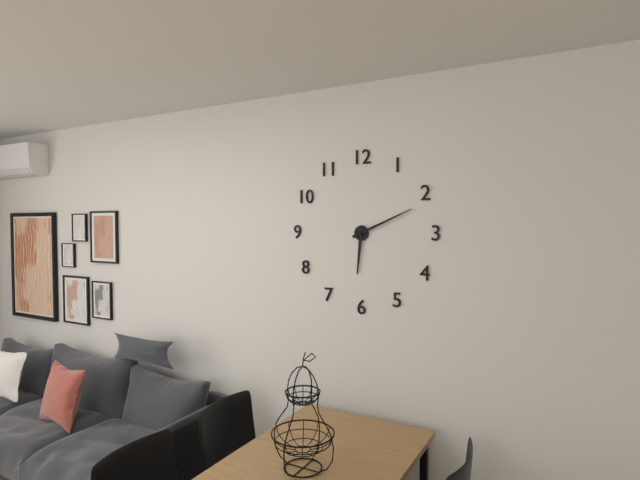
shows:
6,11
